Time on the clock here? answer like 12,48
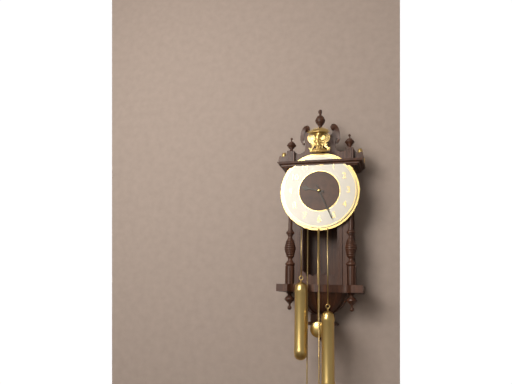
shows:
9,26
